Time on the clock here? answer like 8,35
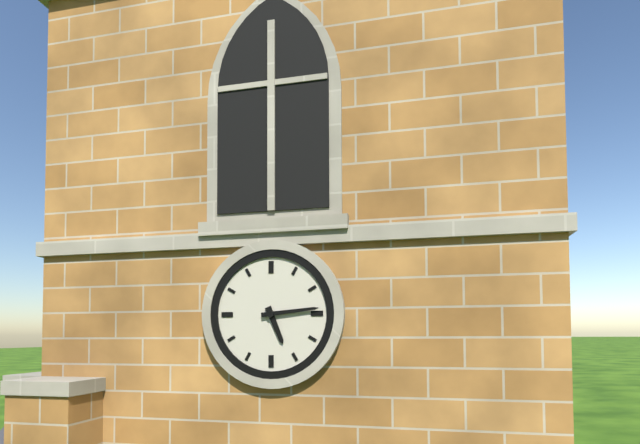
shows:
5,14
